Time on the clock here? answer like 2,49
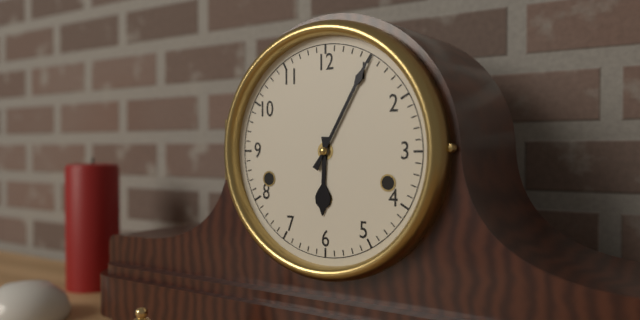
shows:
6,05
